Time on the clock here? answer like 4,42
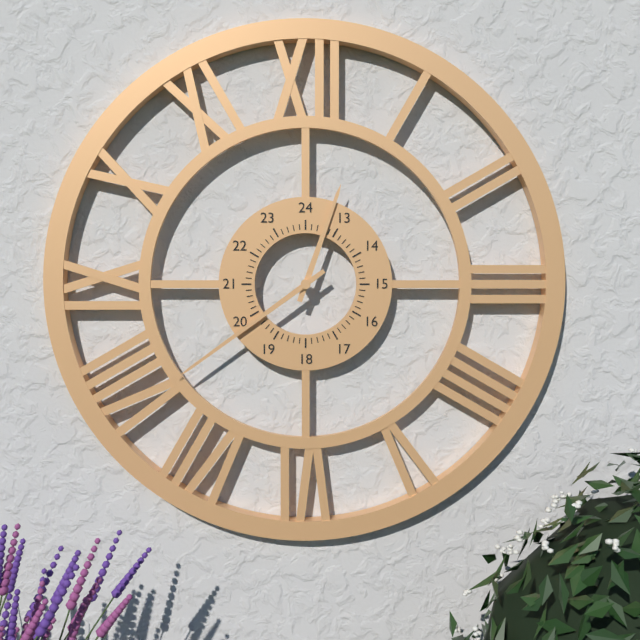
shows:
12,39
